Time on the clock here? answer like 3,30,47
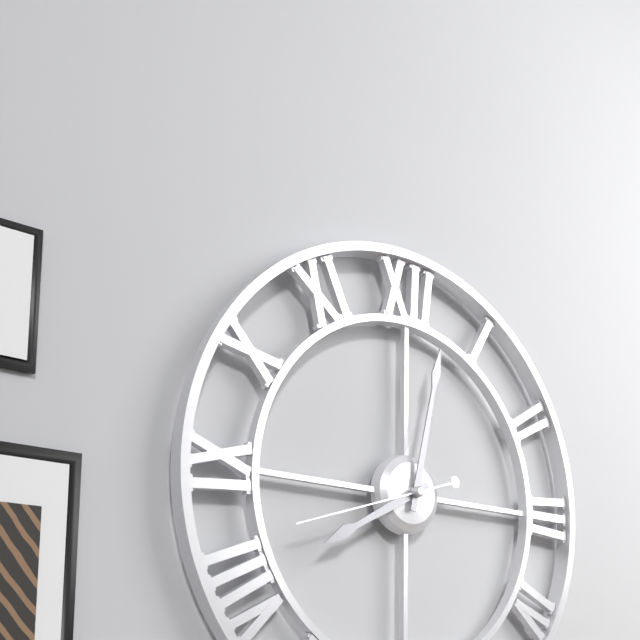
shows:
8,02,42
